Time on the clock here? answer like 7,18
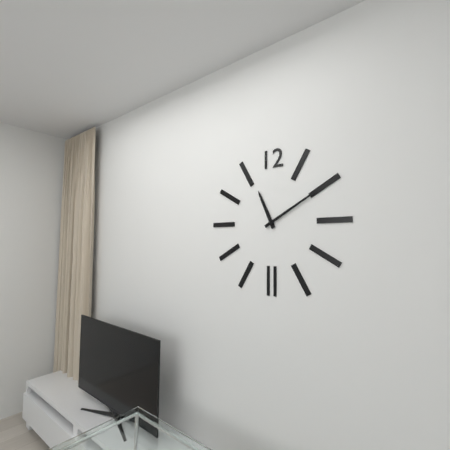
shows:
11,10
